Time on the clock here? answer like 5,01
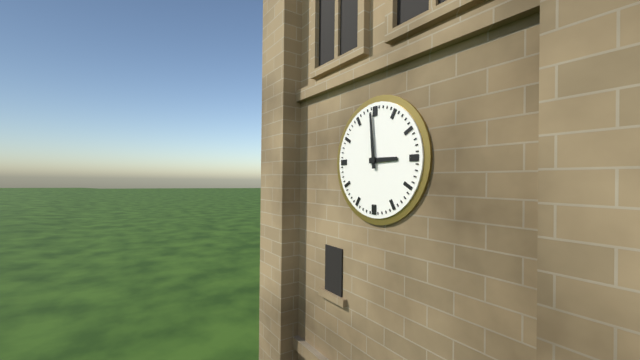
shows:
2,59
